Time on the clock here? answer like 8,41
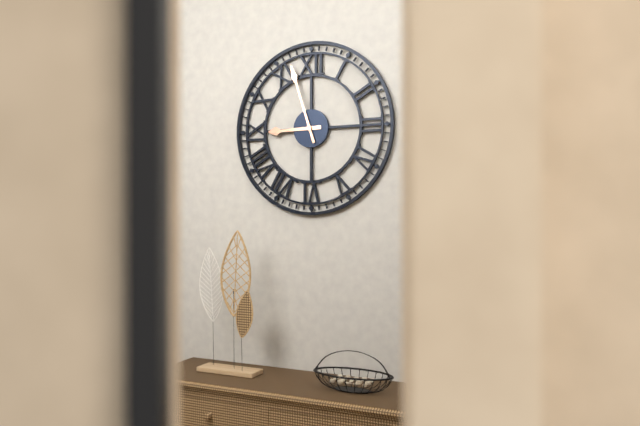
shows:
8,57
